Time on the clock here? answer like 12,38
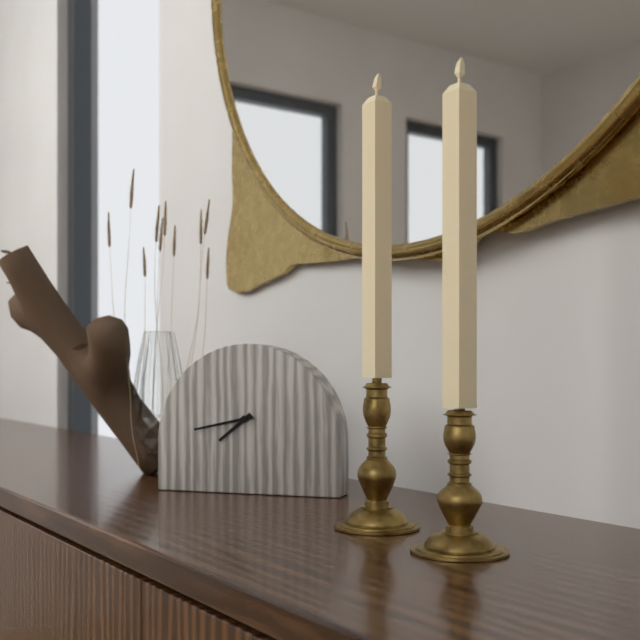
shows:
7,43
